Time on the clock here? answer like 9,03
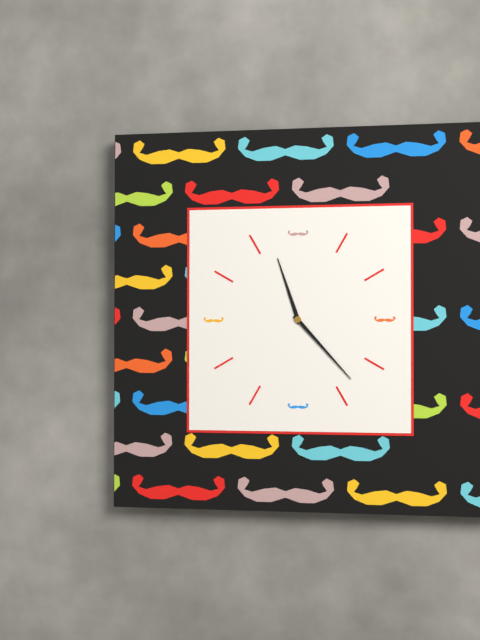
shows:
11,23
